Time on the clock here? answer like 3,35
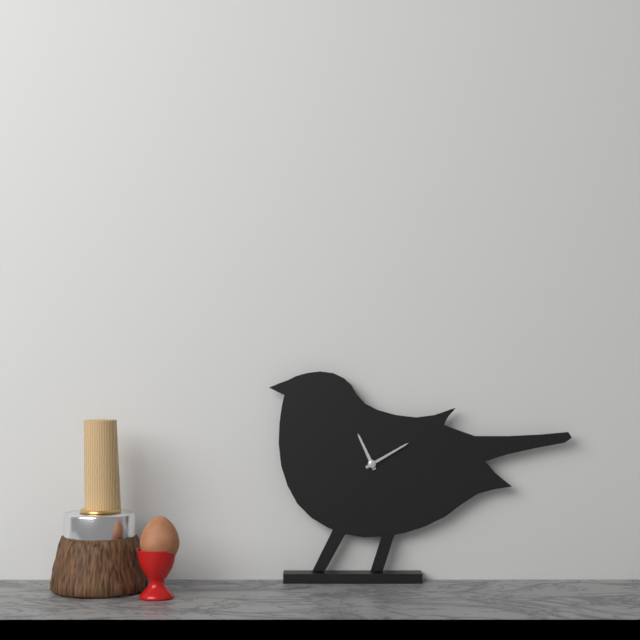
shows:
11,10
